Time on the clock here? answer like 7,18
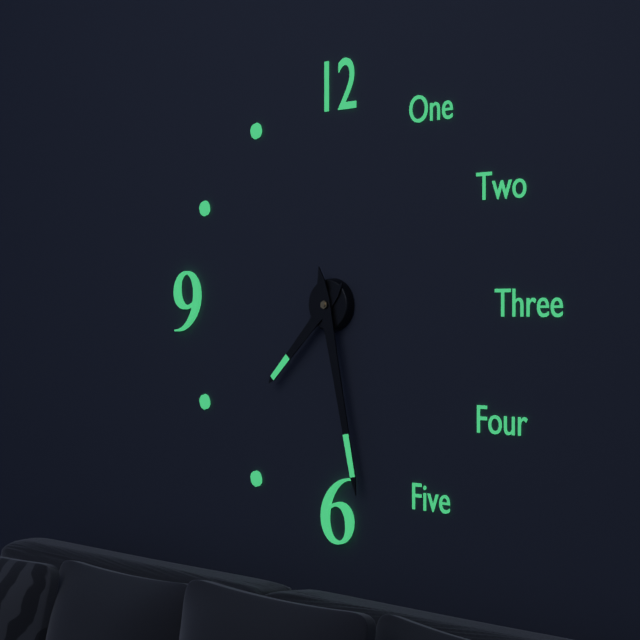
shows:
7,28
